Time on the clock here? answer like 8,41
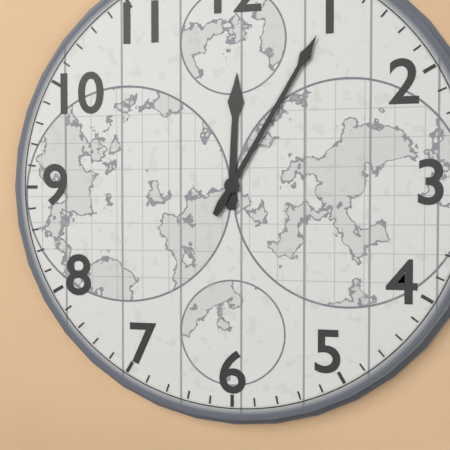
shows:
12,05
